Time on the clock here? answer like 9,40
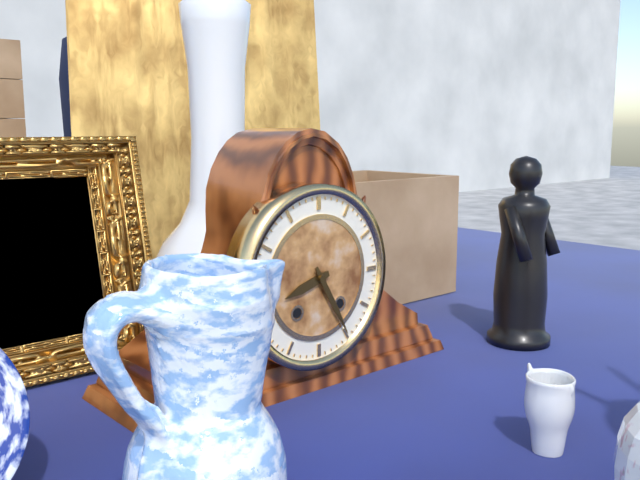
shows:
8,25
